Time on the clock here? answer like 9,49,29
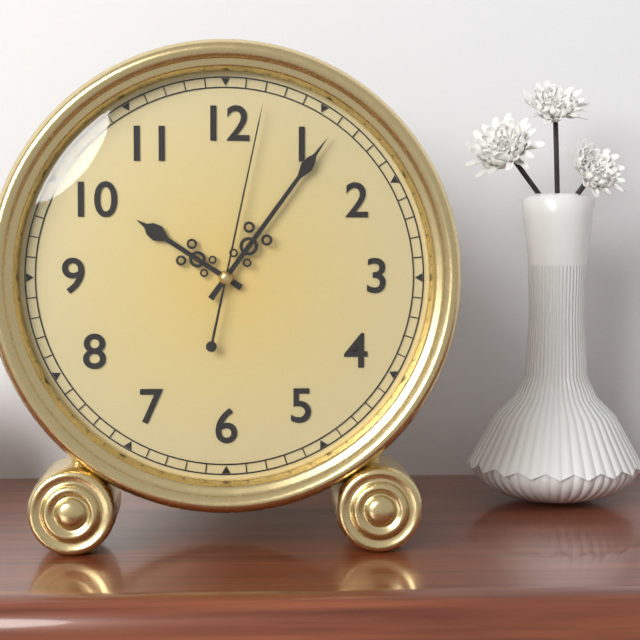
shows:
10,06,02
